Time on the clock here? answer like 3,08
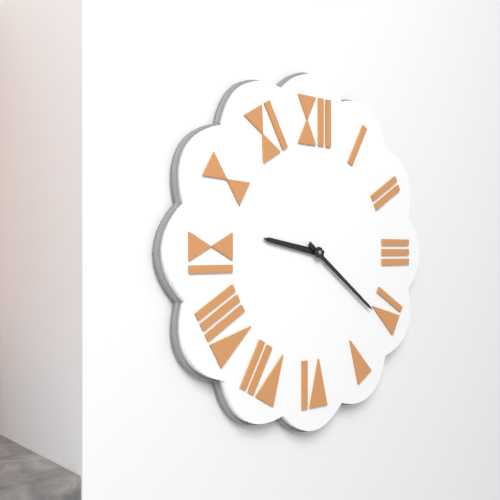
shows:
9,21
